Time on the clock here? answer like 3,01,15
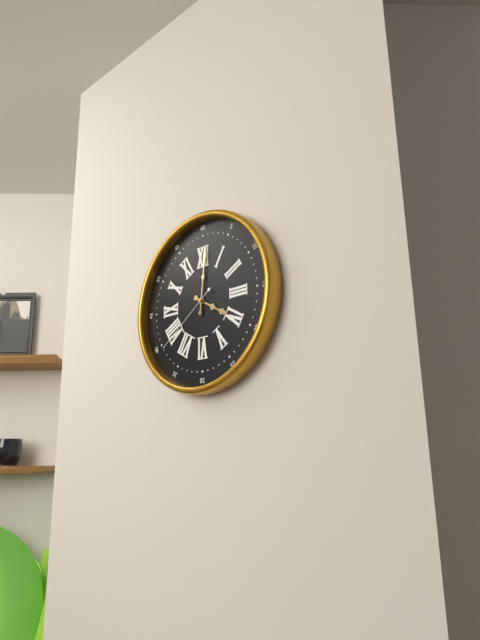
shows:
4,01,39
